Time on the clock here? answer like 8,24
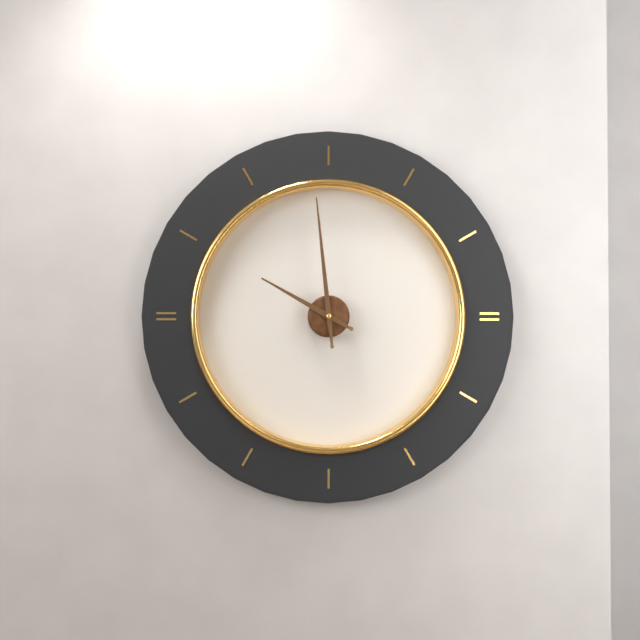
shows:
9,59
